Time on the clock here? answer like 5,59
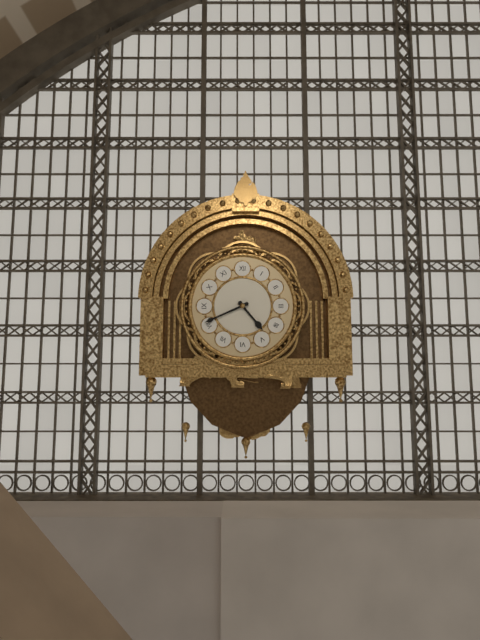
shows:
4,41
